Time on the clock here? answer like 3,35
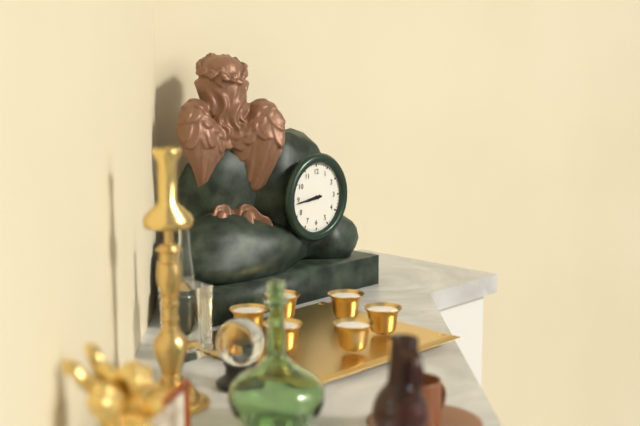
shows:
8,44
